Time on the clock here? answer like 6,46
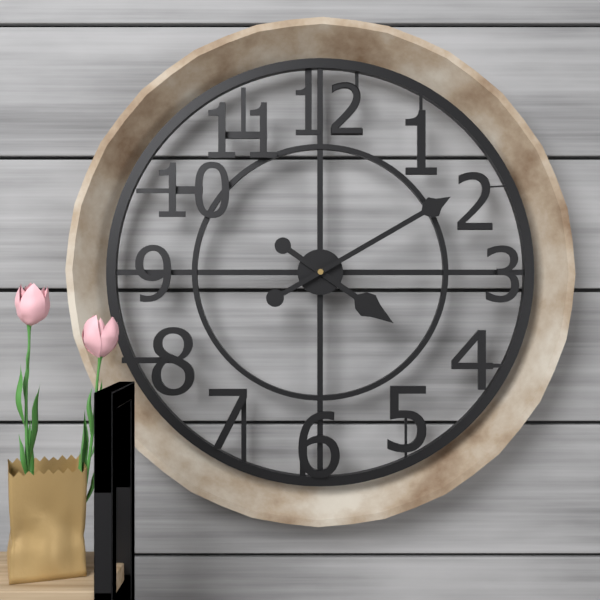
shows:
4,10
